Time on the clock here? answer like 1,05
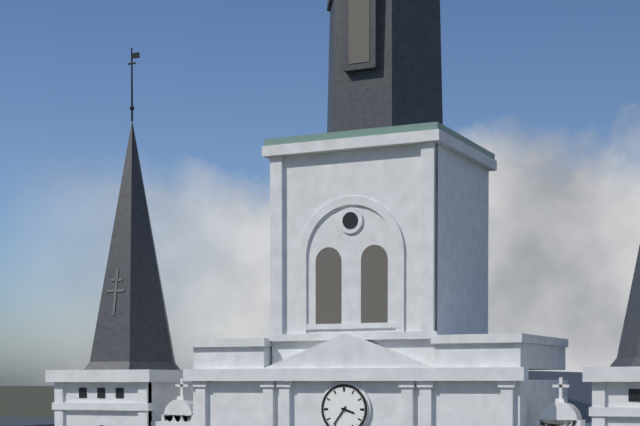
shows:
3,36
